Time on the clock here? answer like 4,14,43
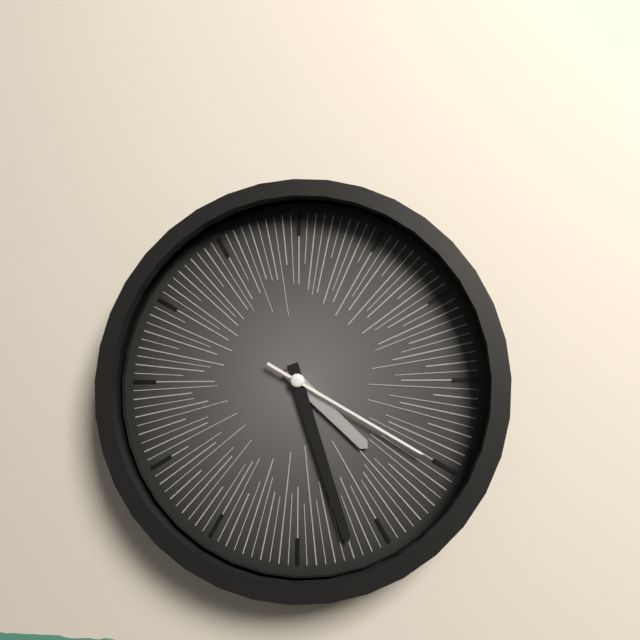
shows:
4,27,20
